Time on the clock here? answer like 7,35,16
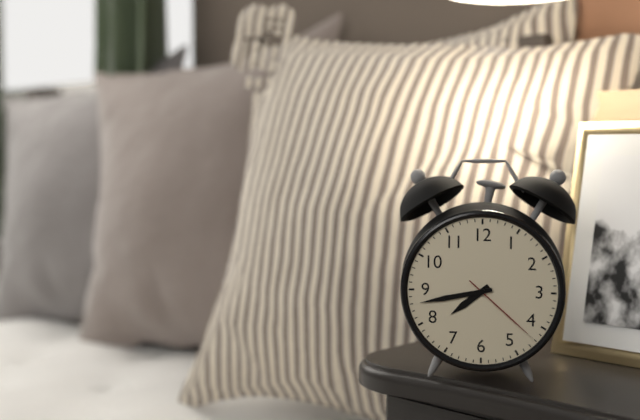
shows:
7,43,22
